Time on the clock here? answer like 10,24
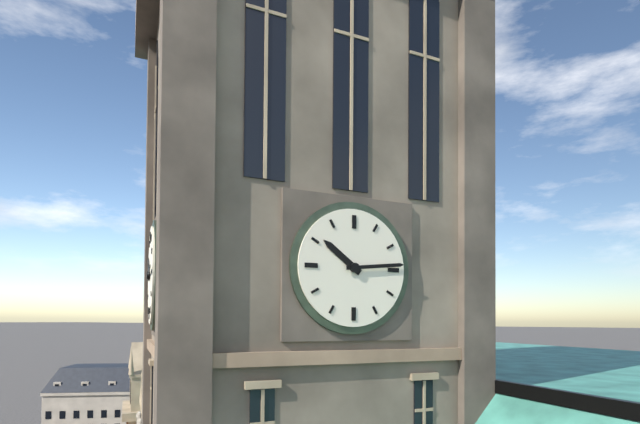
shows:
10,14
